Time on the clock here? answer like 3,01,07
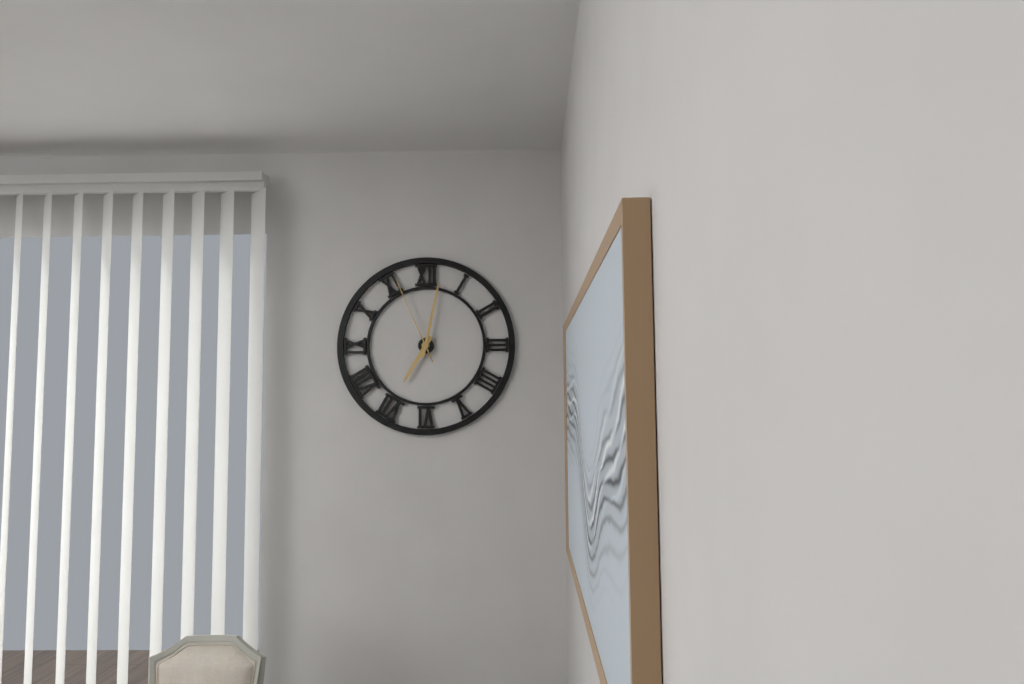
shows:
7,02,56
